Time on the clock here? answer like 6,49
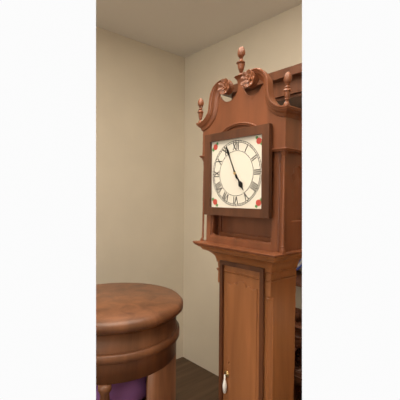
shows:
4,56
